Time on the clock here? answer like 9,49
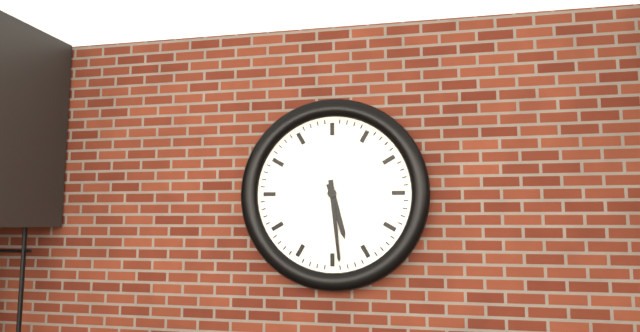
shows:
5,29
